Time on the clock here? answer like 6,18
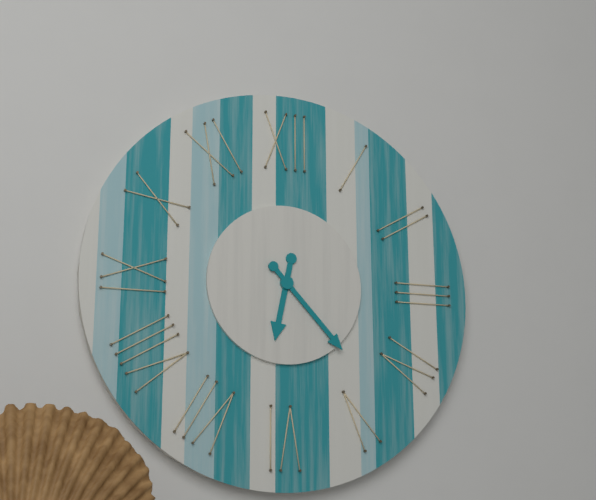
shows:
6,23
